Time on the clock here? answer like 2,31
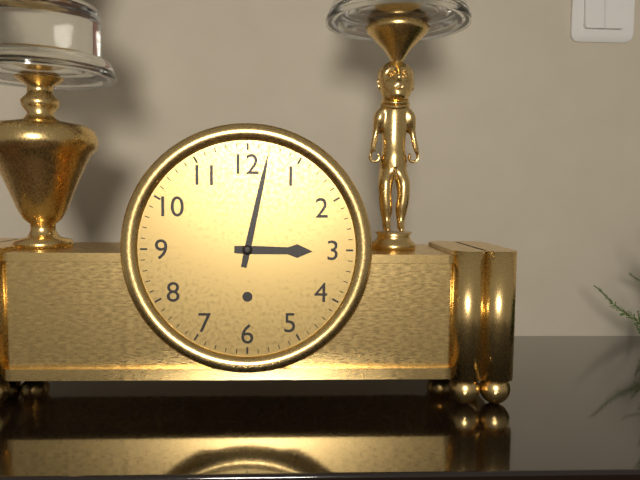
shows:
3,02
